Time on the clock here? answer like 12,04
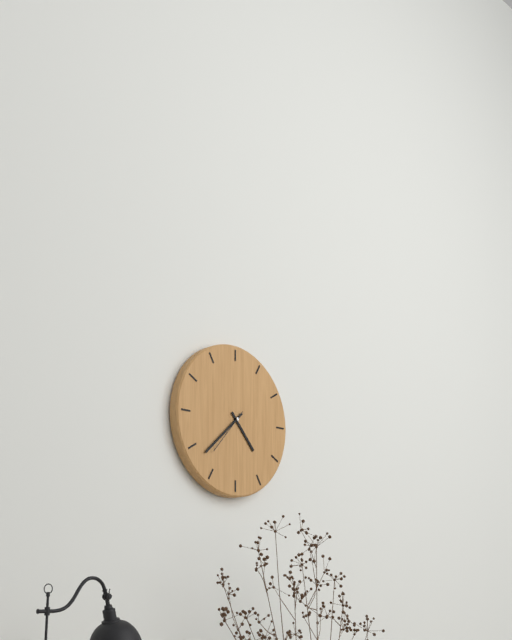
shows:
4,38
